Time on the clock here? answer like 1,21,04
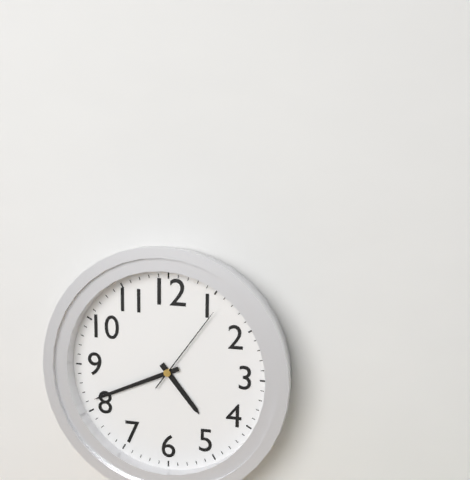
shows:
4,41,06
